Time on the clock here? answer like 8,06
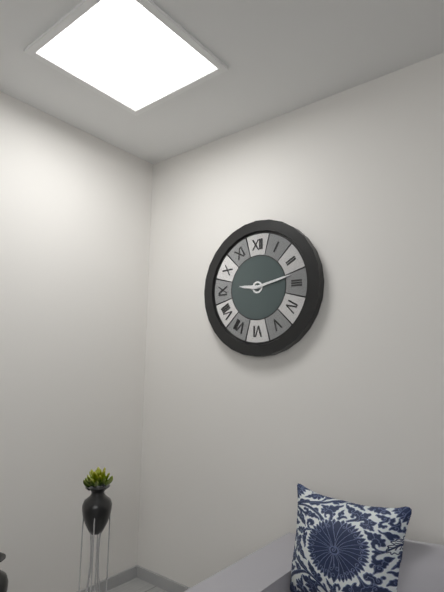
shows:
9,13
